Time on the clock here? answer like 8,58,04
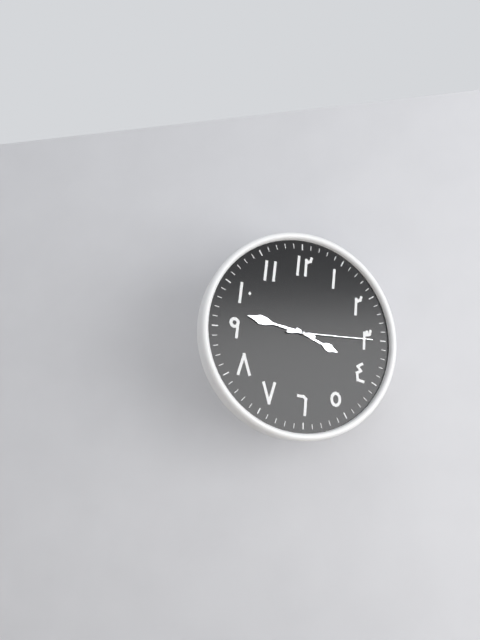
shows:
3,47,15
